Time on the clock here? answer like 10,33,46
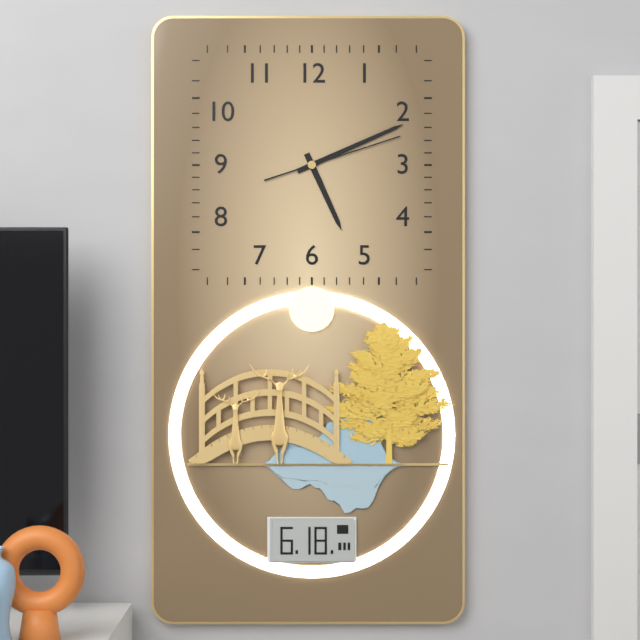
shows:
5,11,12
